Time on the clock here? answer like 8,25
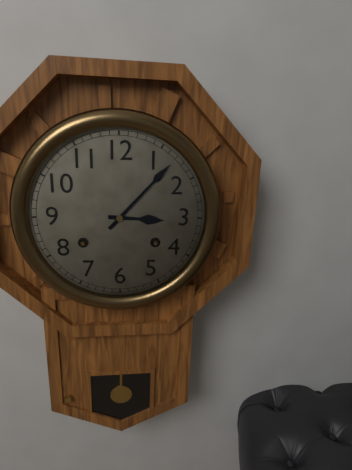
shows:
3,07
